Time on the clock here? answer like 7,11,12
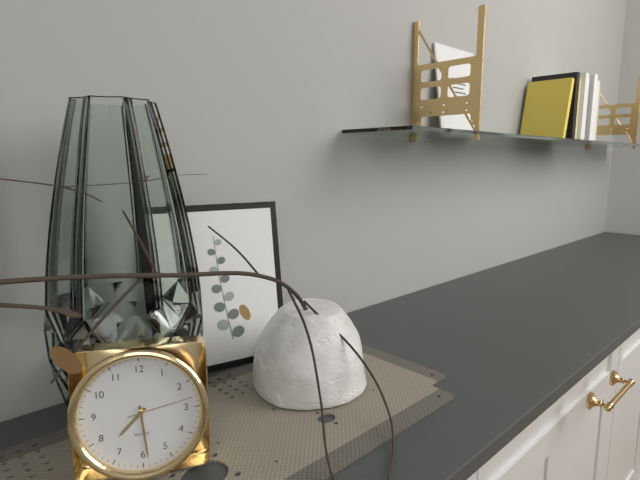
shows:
7,29,13
